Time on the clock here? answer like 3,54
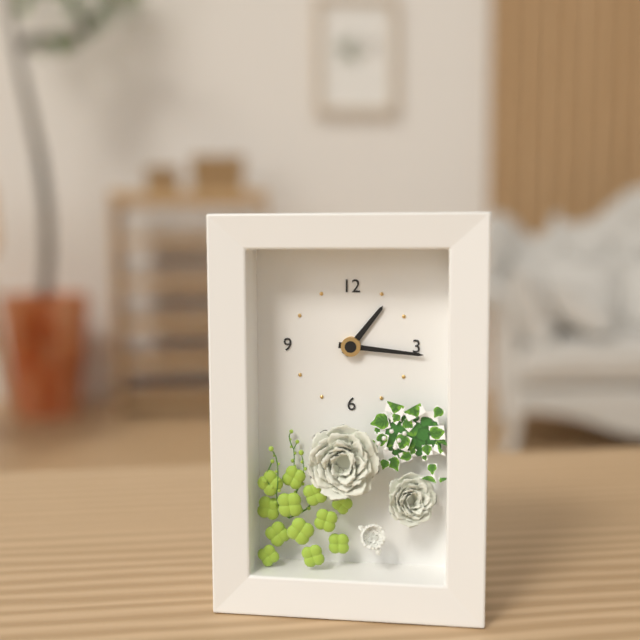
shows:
1,16
